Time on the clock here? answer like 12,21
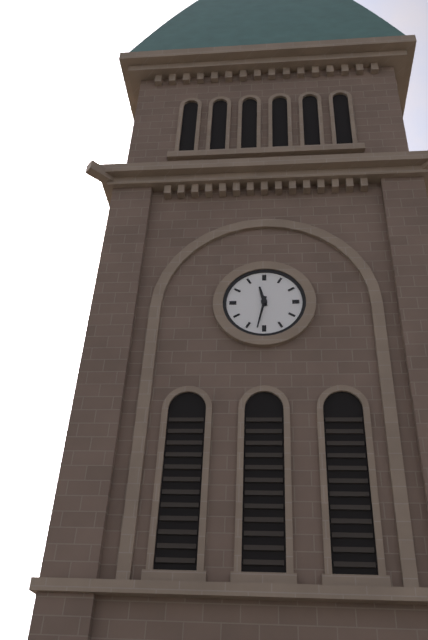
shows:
11,32
